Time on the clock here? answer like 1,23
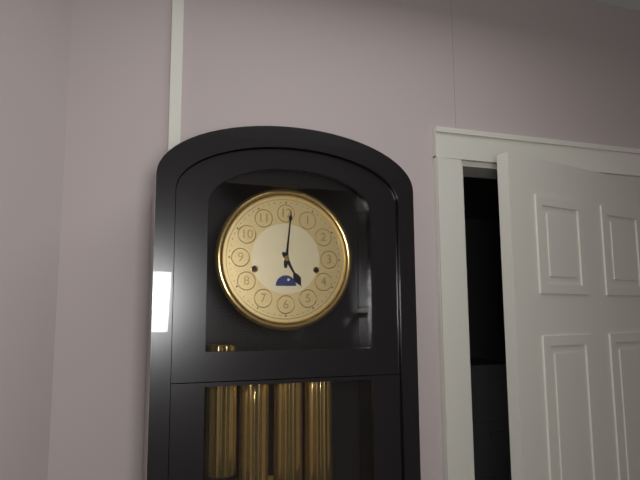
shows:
5,01
